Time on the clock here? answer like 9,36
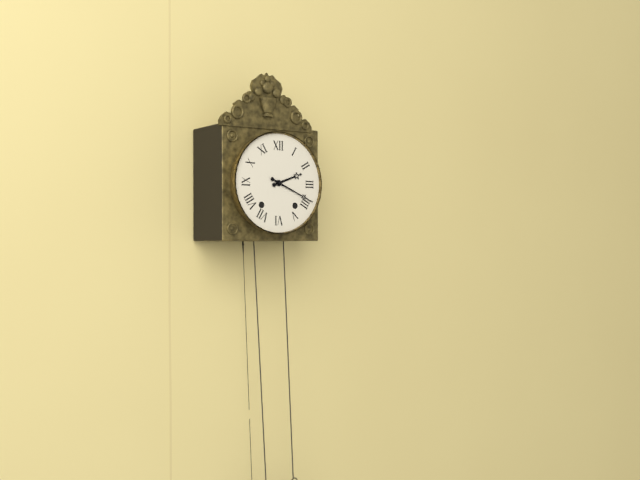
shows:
2,19
